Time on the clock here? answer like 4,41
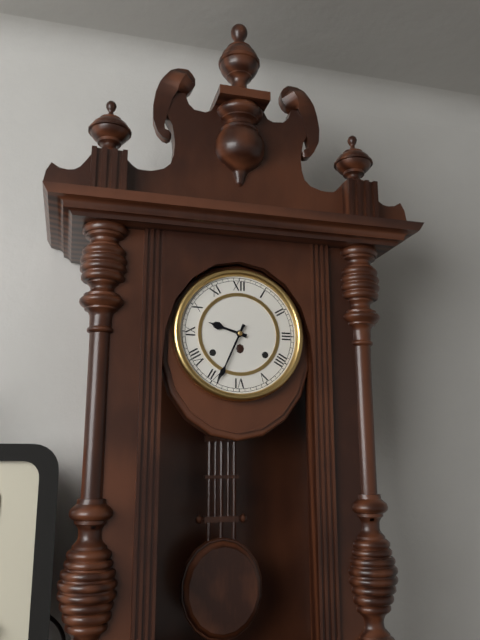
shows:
9,34
